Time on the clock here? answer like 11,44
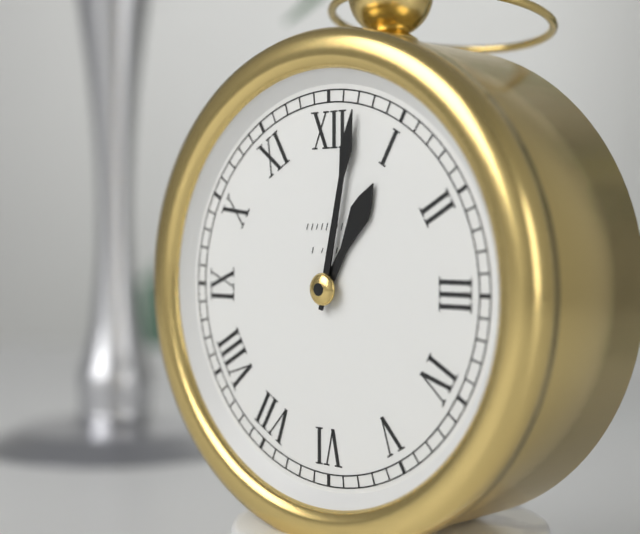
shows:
1,02
